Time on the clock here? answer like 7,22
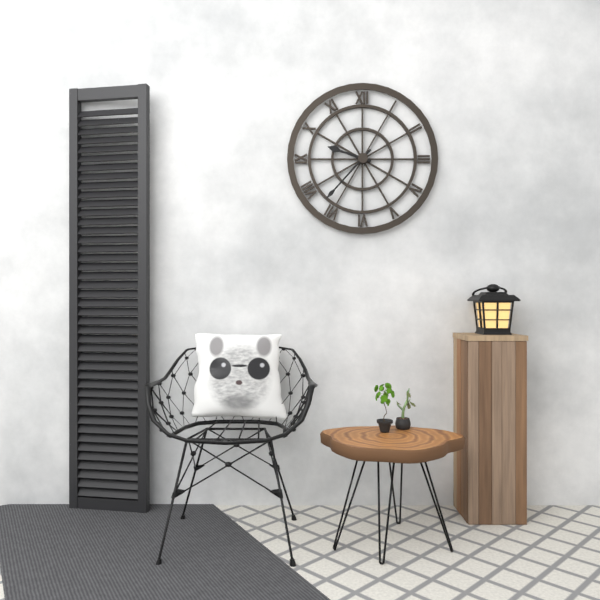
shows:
9,37
